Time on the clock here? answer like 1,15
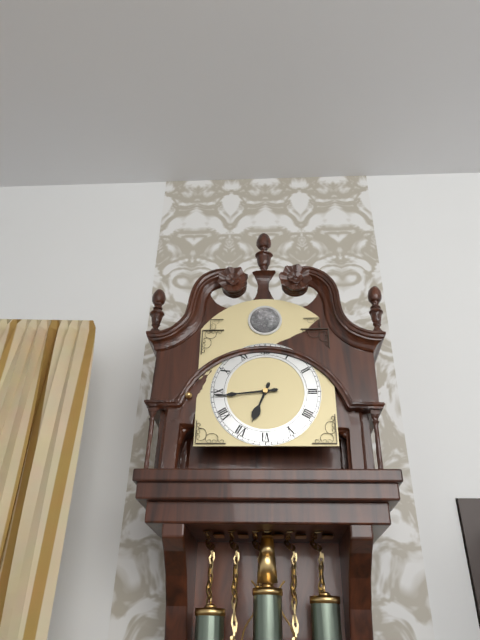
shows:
6,44
